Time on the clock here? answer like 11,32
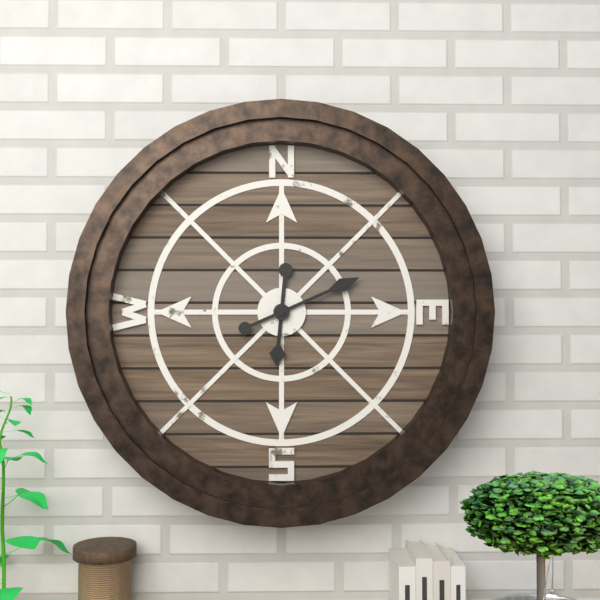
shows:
6,11
